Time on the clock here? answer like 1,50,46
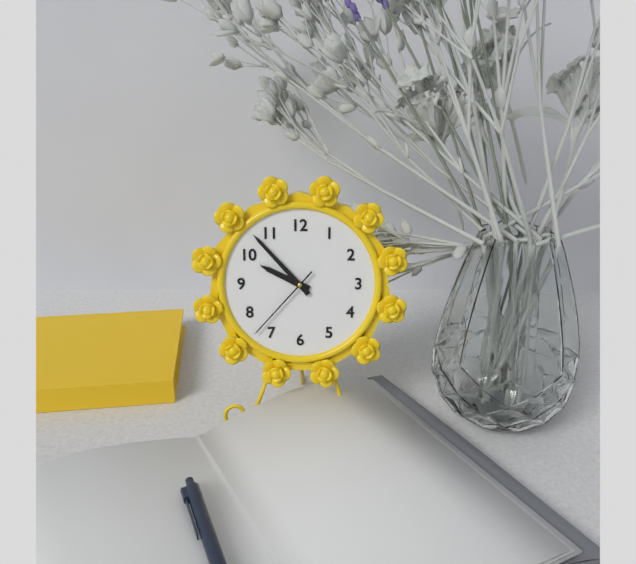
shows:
9,53,37
